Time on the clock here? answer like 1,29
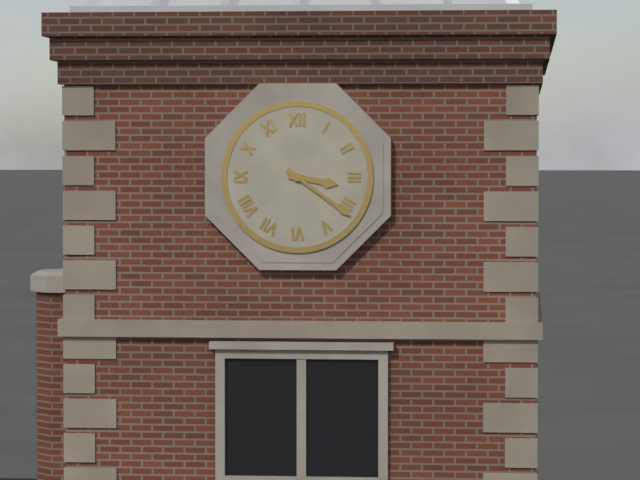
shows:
3,21
